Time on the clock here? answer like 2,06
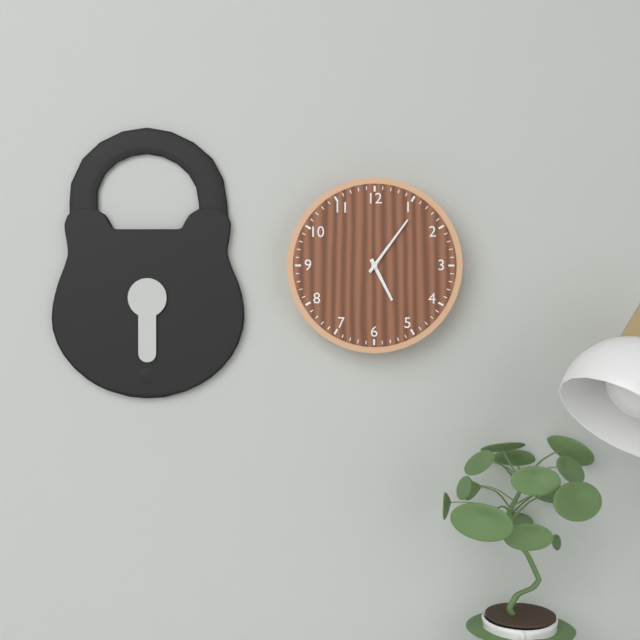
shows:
5,06
